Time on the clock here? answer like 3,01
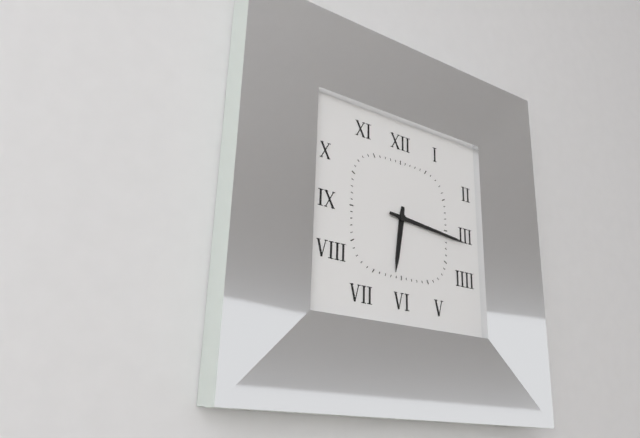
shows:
6,16
